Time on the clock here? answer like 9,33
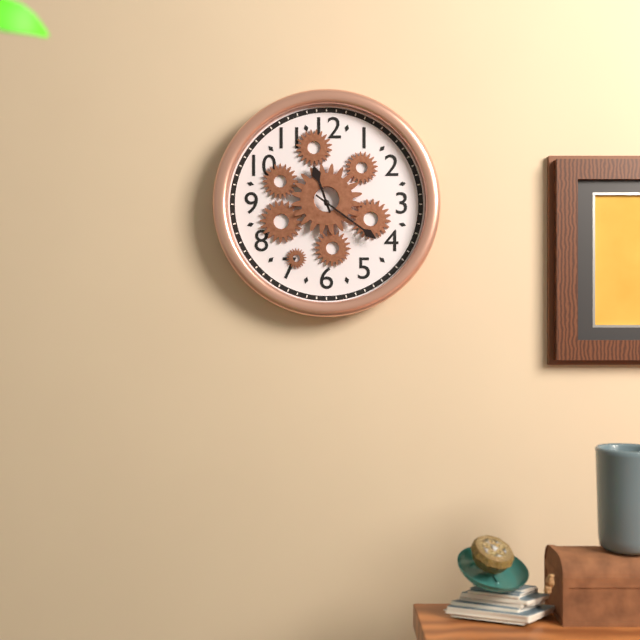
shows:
11,21
